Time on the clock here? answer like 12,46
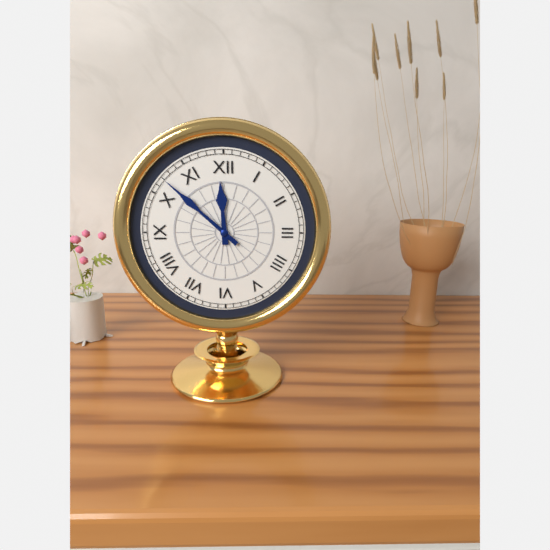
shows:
11,52
